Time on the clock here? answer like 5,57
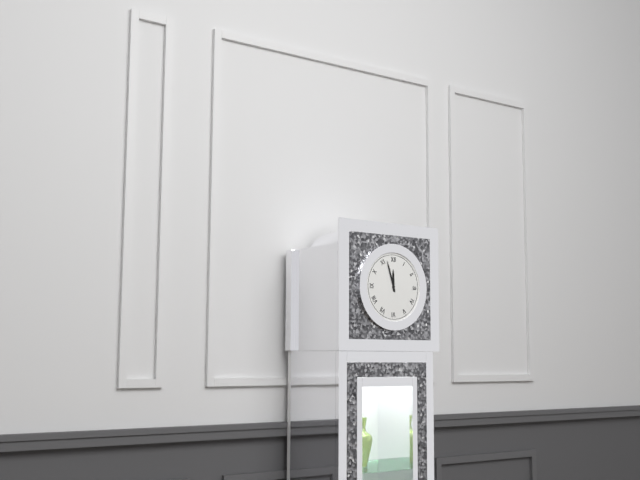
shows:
11,57
